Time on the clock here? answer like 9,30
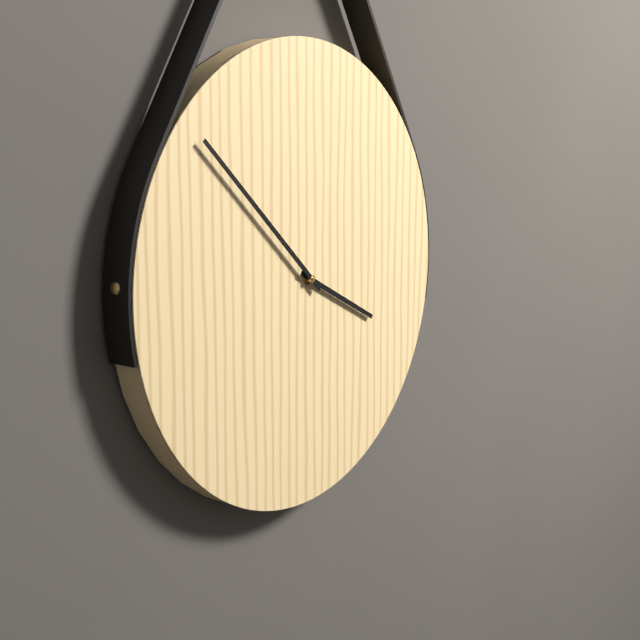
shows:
3,52
